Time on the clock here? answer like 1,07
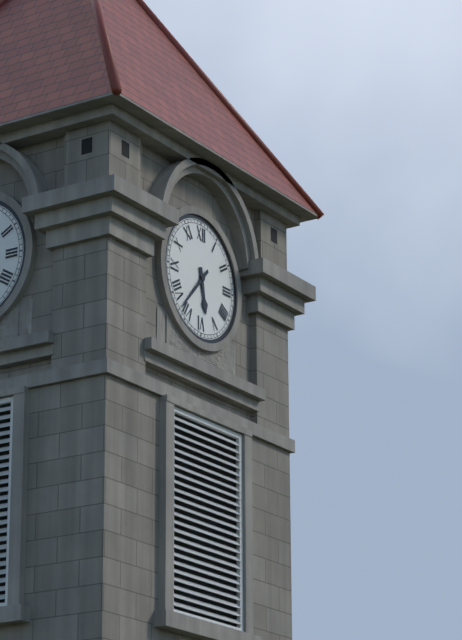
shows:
5,37
